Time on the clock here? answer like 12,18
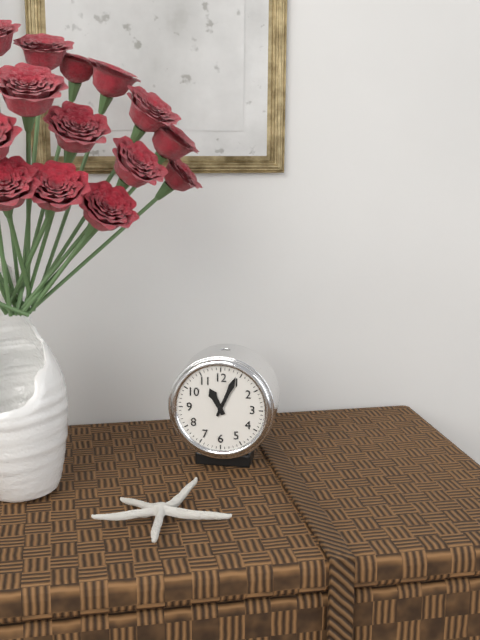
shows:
11,04
